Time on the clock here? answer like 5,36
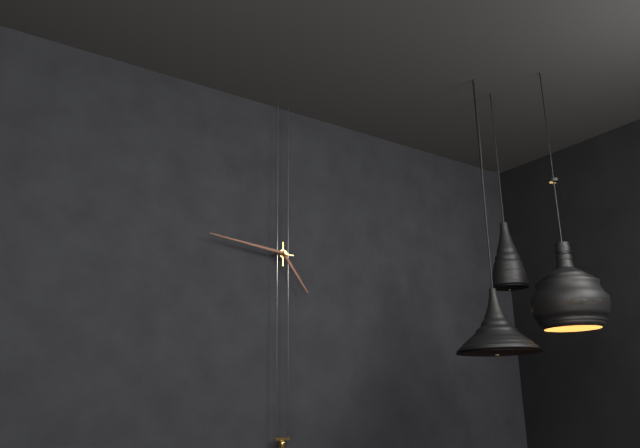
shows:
4,46
